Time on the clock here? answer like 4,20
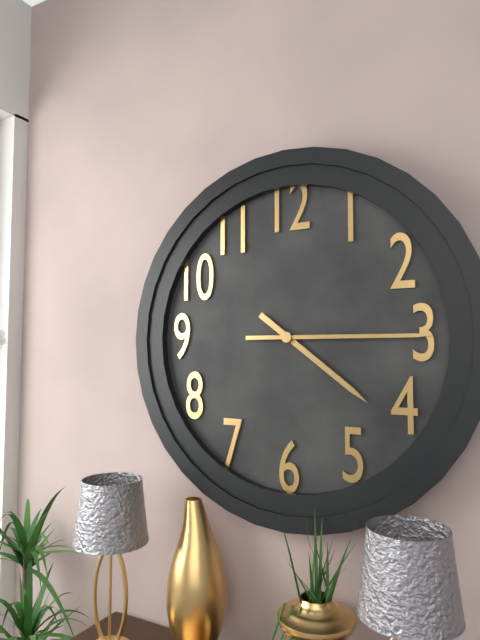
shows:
4,15
